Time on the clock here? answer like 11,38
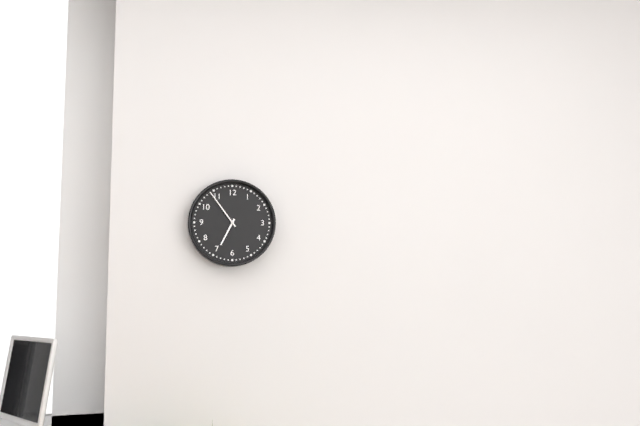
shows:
6,54
